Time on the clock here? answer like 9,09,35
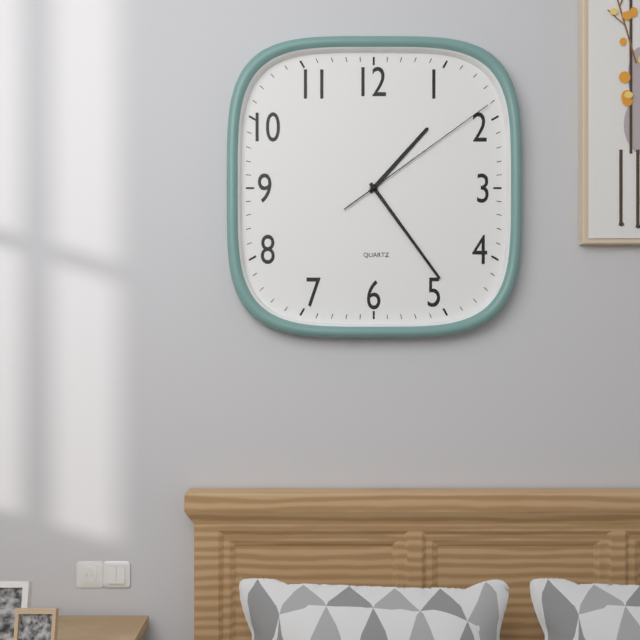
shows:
1,24,09
